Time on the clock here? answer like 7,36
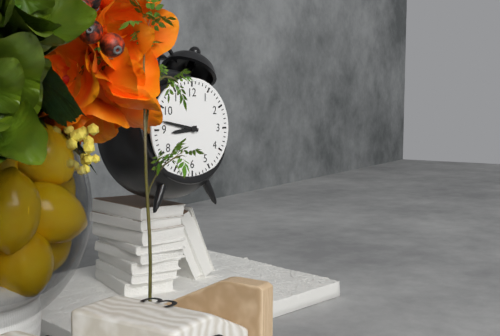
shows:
8,47
